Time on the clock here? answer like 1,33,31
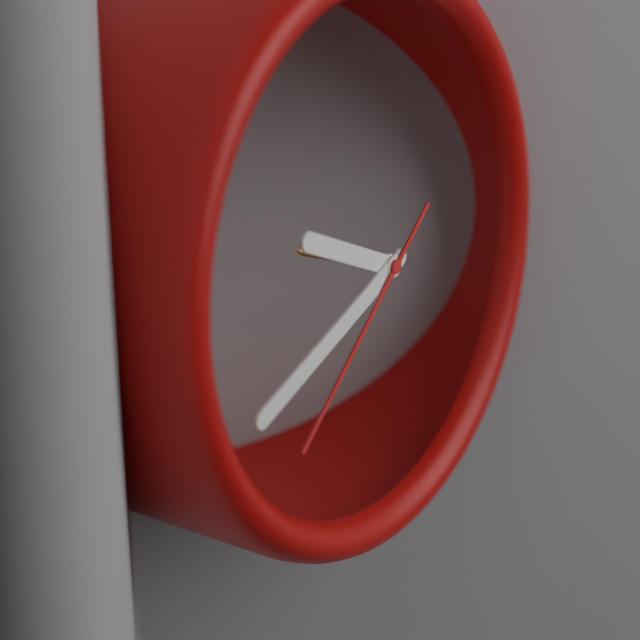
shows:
9,41,38
